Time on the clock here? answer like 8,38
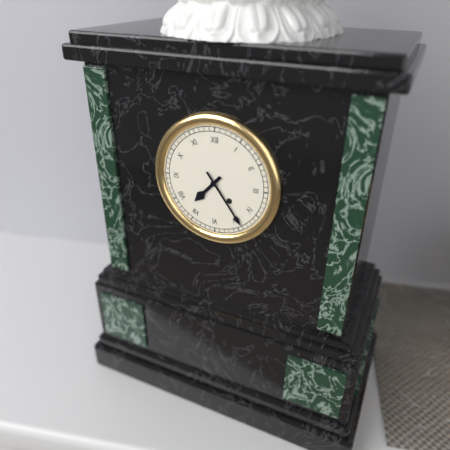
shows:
7,24
